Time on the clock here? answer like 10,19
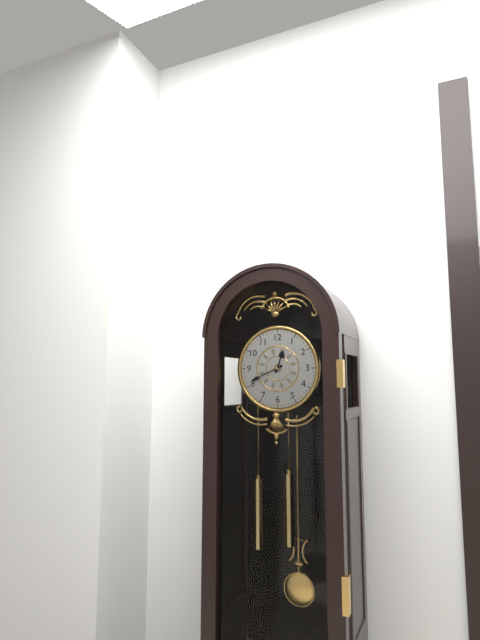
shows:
12,41
